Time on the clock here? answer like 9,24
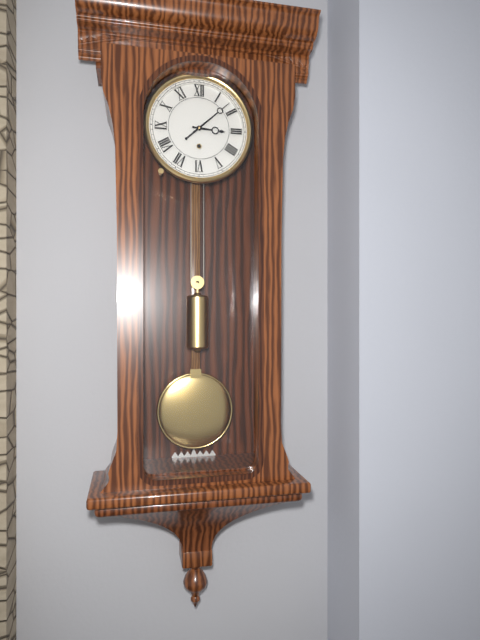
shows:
3,08
